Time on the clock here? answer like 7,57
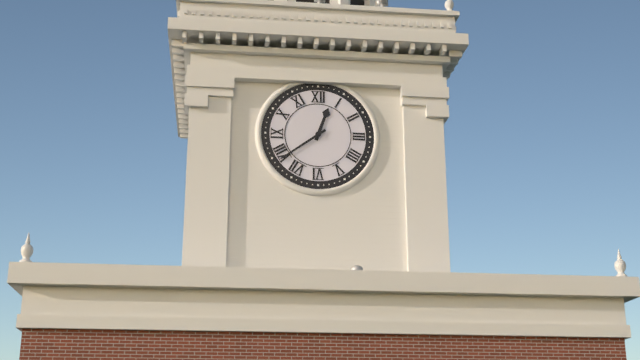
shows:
12,39
